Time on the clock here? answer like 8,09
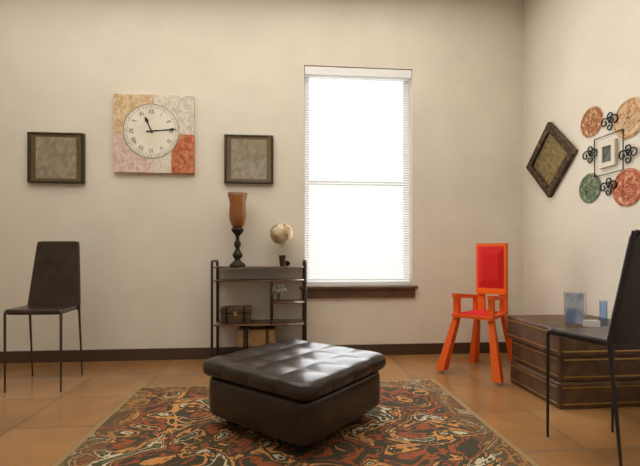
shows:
11,14
